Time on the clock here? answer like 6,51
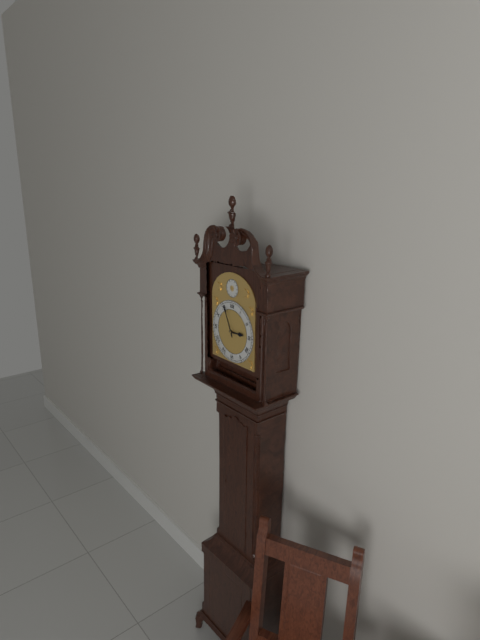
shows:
2,56
